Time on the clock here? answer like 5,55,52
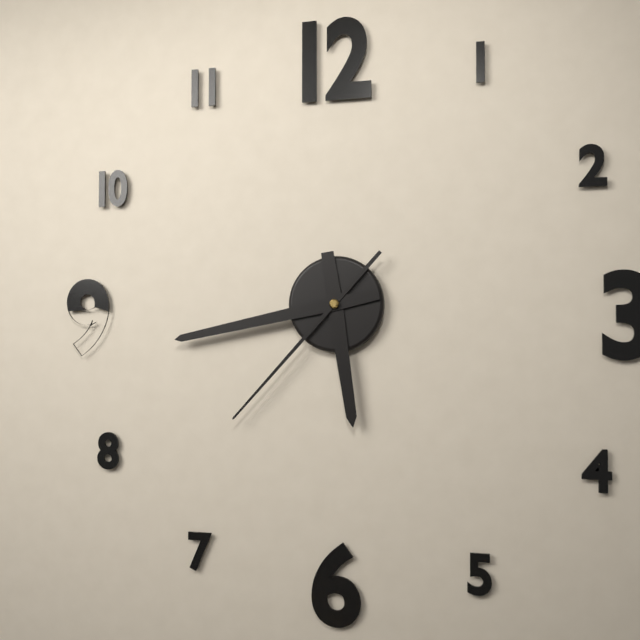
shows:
5,43,37
